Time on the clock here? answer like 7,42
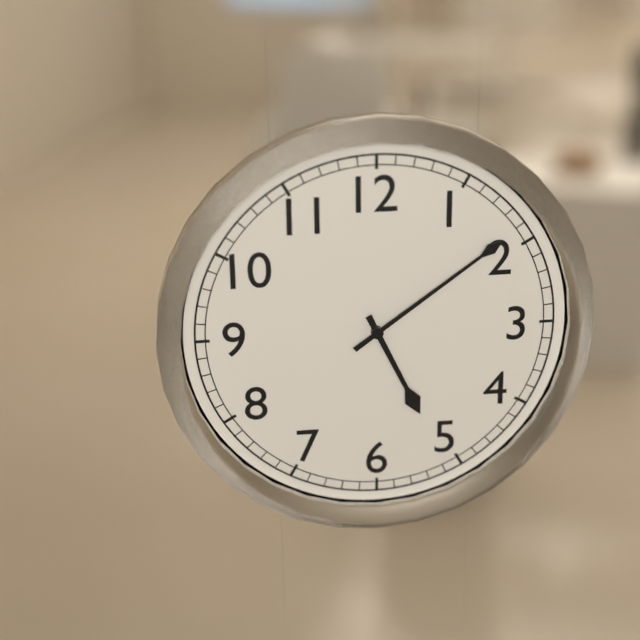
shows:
5,09
